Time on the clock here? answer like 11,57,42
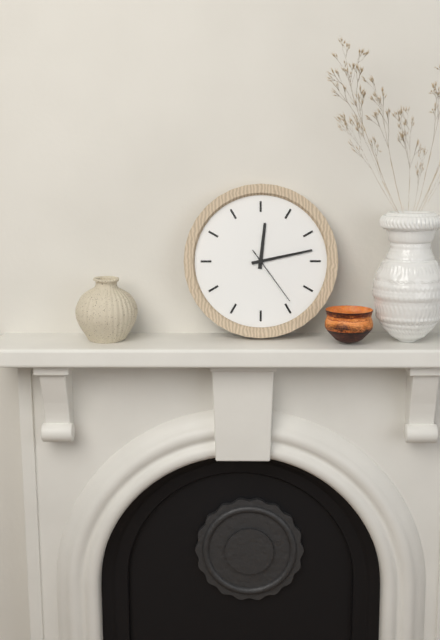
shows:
12,13,24
